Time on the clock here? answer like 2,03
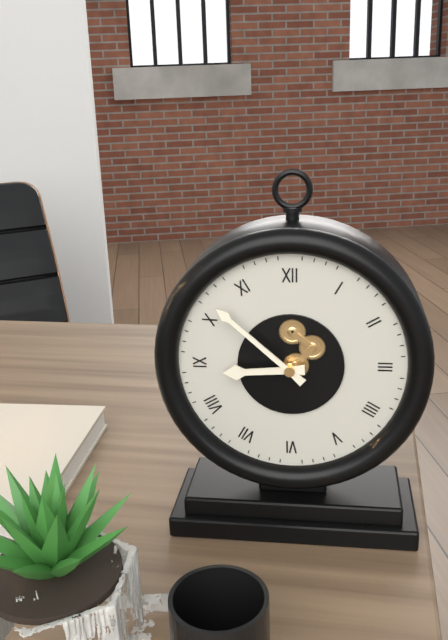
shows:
8,52
